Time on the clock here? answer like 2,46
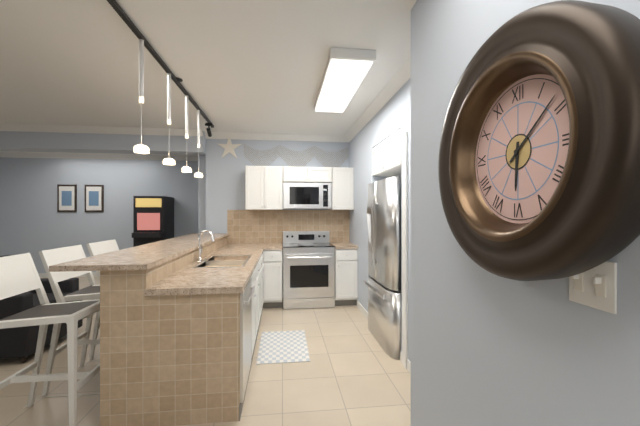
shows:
6,08
